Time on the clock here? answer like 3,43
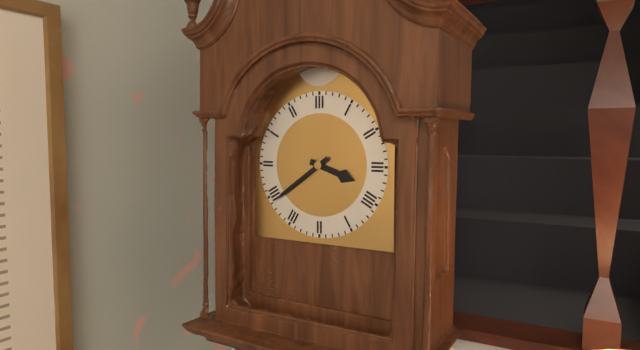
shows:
3,39
